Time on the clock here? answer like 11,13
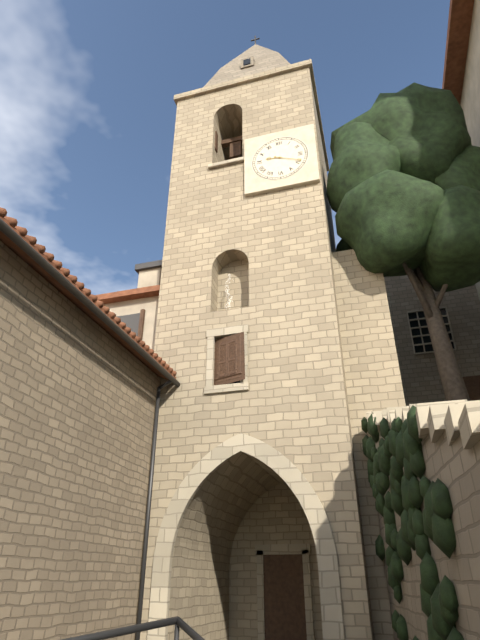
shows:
9,19
